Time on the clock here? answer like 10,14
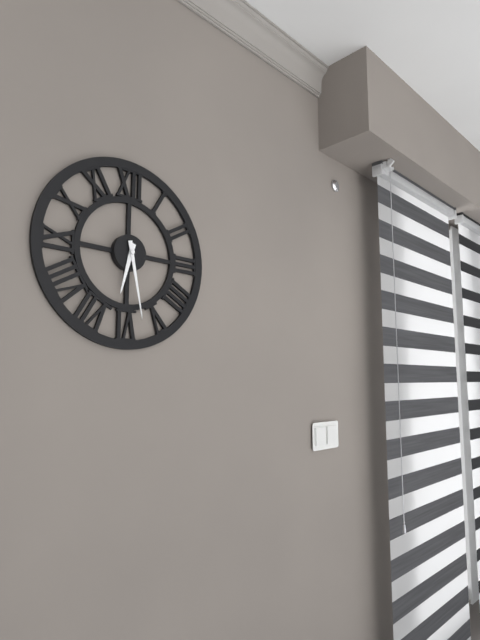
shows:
6,28
